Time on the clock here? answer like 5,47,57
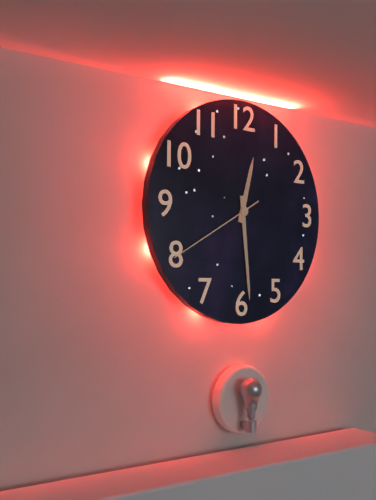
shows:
12,29,40
